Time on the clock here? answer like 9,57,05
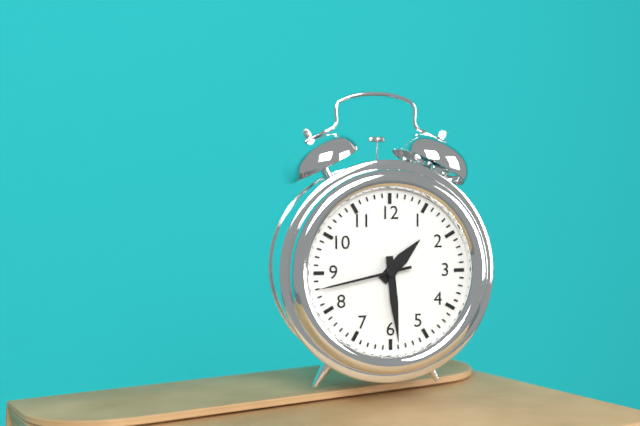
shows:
1,29,43
